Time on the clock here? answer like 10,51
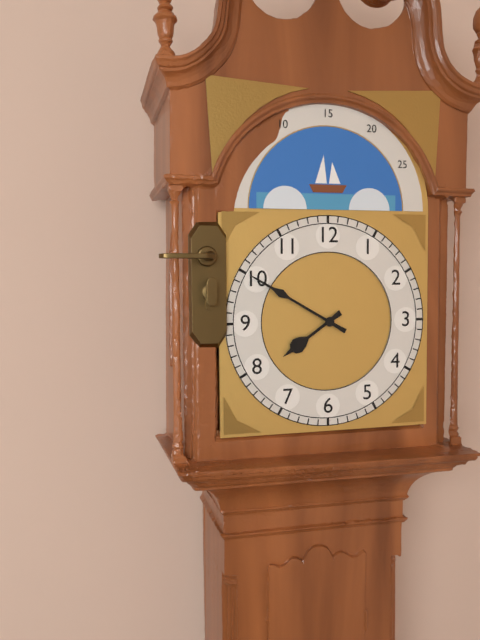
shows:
7,50
